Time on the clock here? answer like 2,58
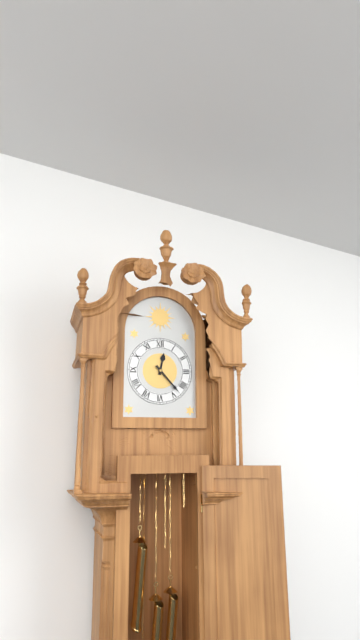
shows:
12,23
